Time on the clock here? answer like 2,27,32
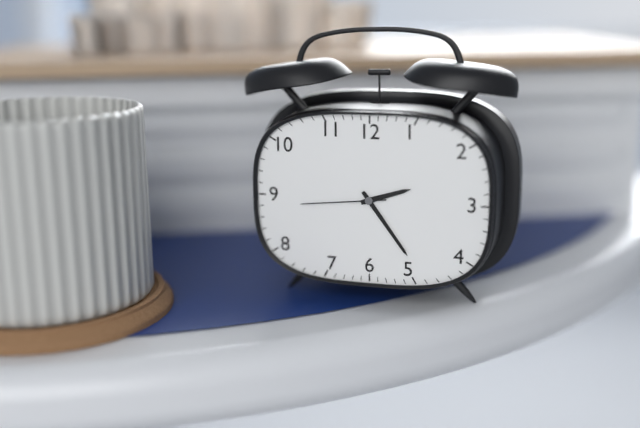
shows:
2,24,44
